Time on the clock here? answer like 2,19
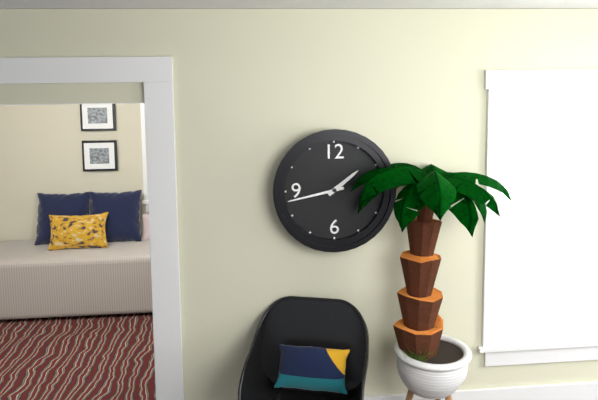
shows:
1,43
